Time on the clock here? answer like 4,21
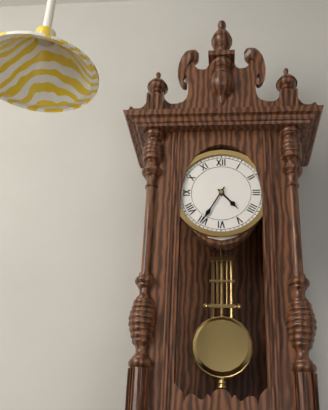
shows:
4,35
